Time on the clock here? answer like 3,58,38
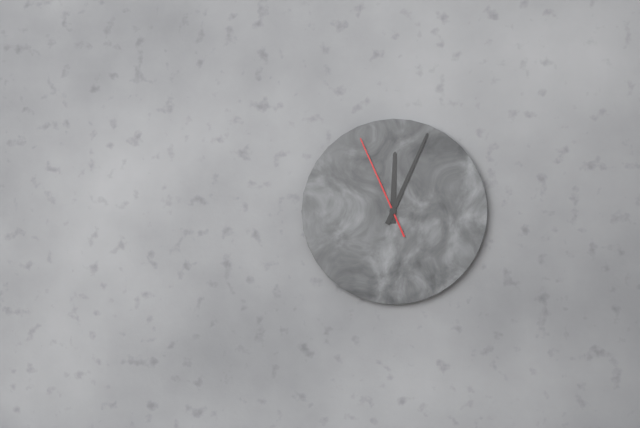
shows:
12,04,56
